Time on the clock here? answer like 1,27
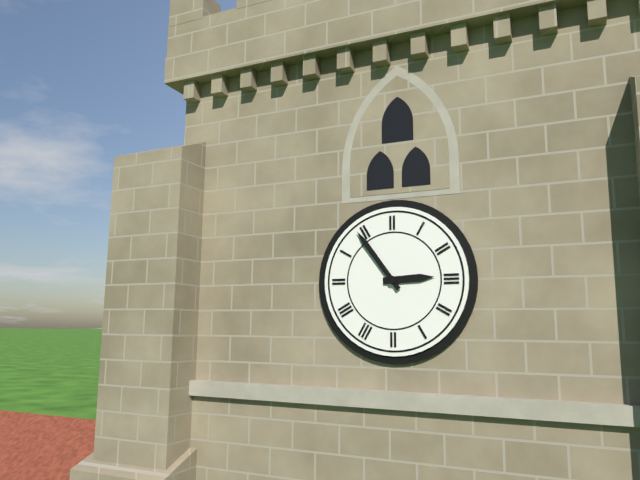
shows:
2,54
